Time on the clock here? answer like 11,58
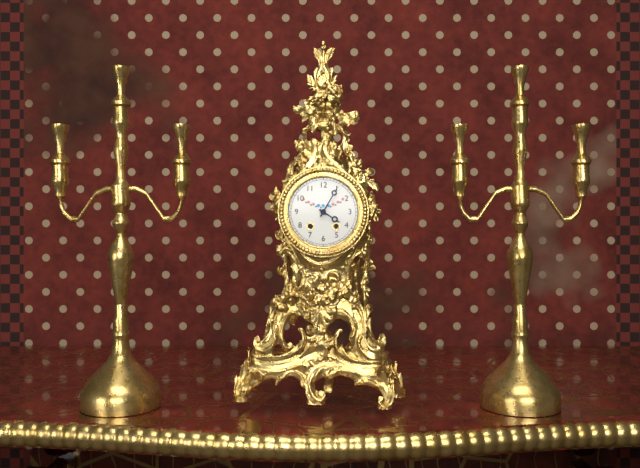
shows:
4,05
